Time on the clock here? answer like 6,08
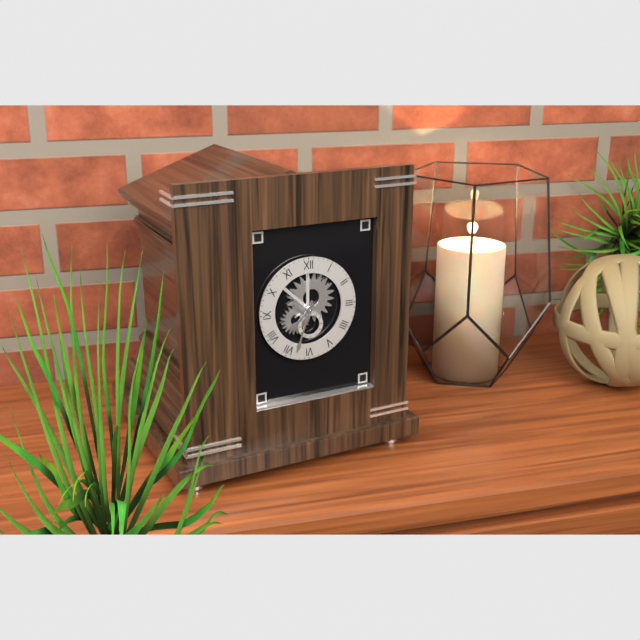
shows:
7,33
